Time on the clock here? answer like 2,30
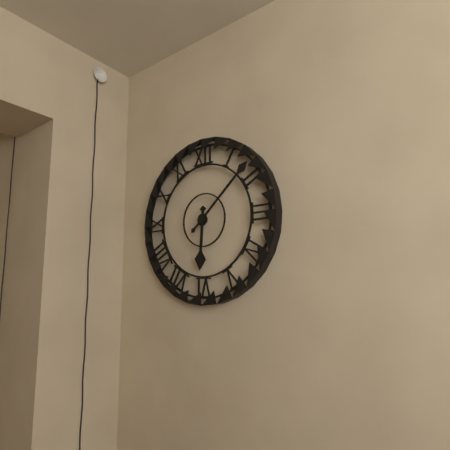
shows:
6,08
